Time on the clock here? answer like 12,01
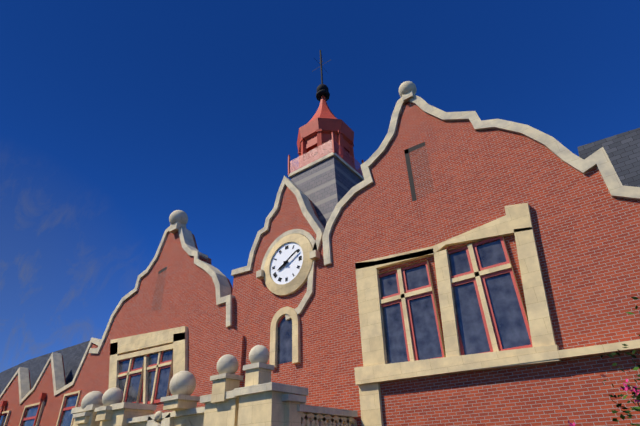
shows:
8,10
